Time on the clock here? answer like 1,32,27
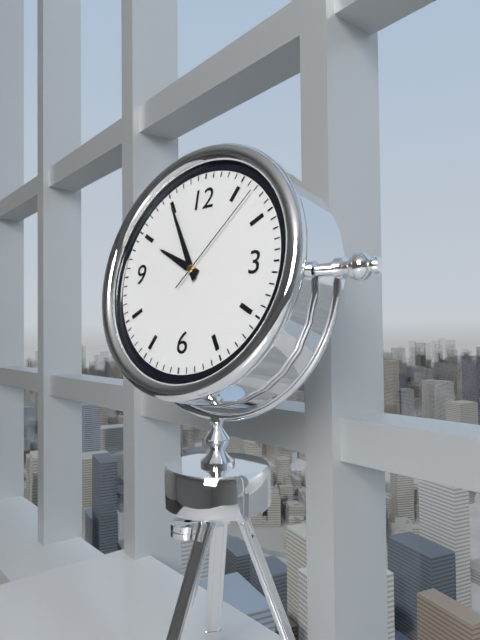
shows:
9,55,07
